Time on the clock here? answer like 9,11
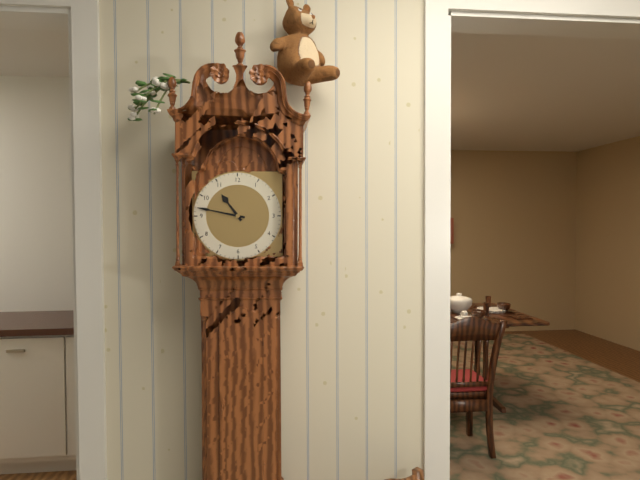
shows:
10,47
